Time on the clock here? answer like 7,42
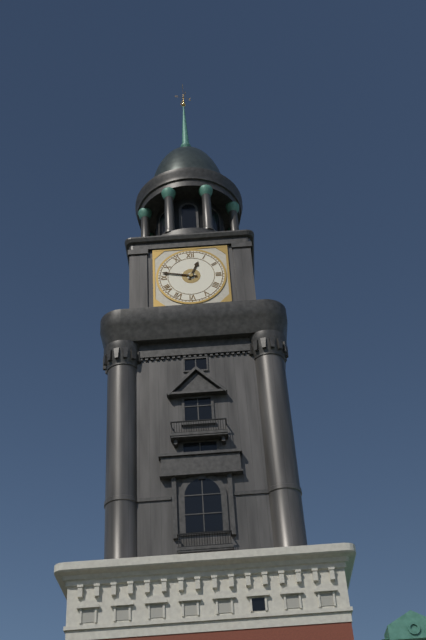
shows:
12,47
